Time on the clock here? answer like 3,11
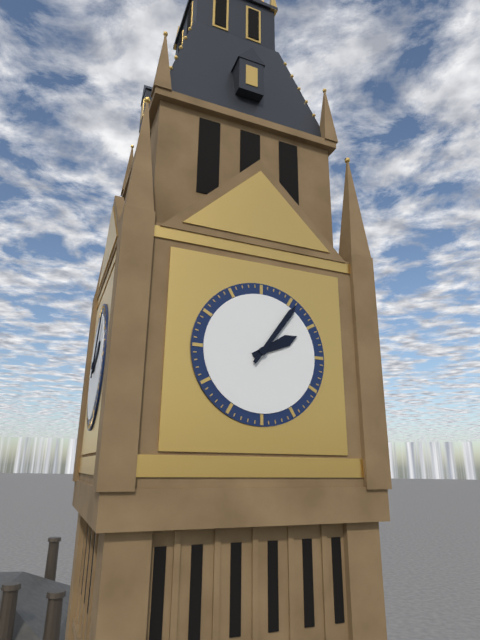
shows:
2,06
